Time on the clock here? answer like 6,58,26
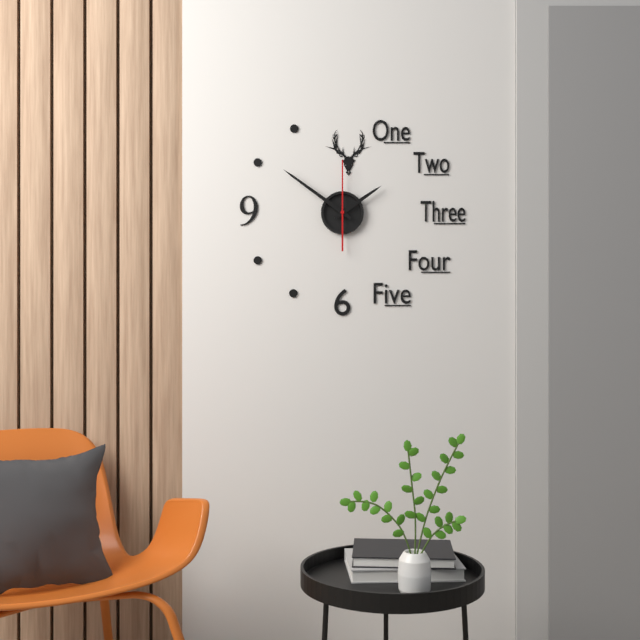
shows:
1,51,00
